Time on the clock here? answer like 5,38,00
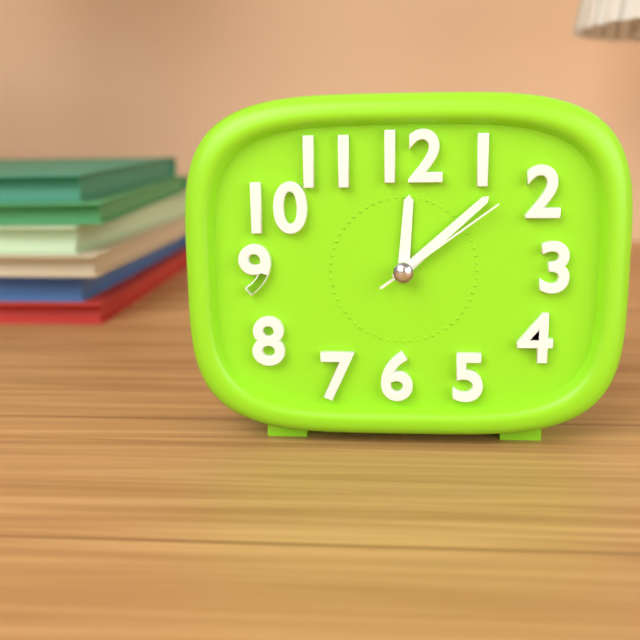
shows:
12,08,09
